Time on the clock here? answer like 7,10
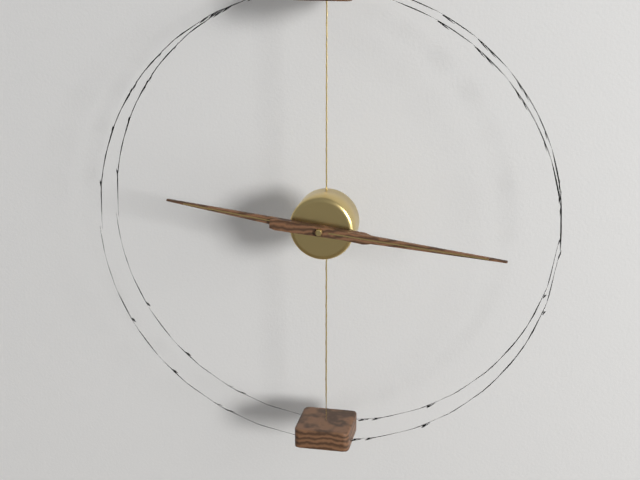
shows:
9,16
